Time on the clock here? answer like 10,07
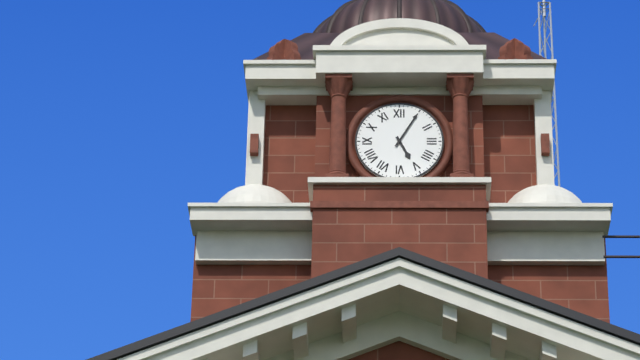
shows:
5,05
